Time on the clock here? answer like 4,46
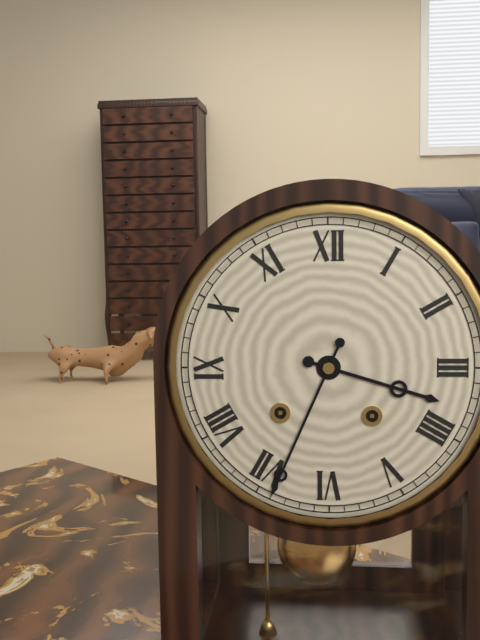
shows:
3,34
